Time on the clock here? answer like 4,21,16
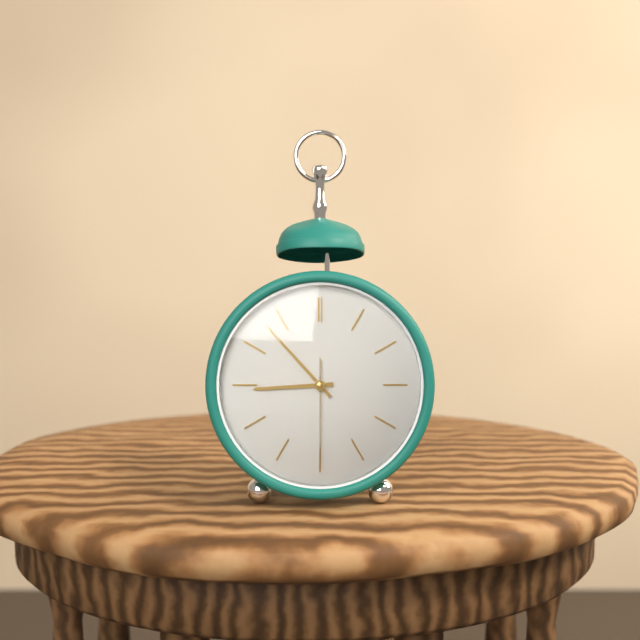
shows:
8,53,30
